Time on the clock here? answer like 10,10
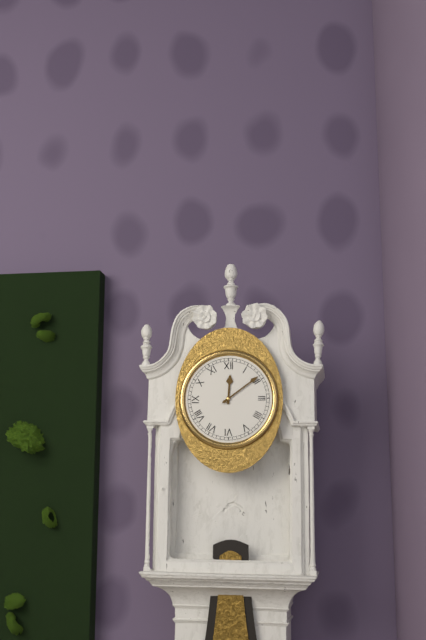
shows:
12,09
